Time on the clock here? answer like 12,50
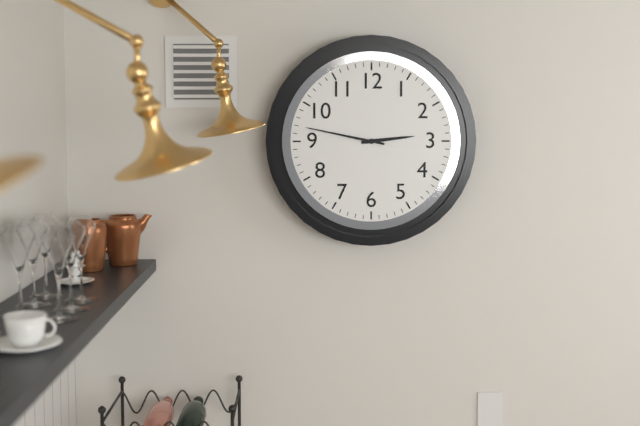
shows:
2,47
